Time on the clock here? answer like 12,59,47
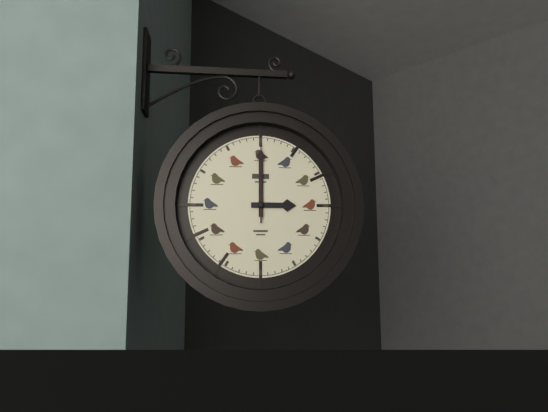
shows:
3,00,00
